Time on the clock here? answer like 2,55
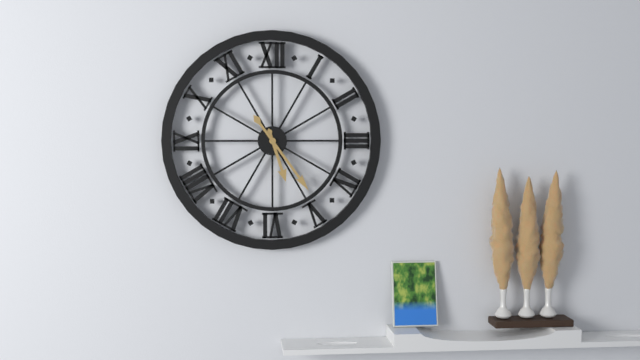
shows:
5,24
